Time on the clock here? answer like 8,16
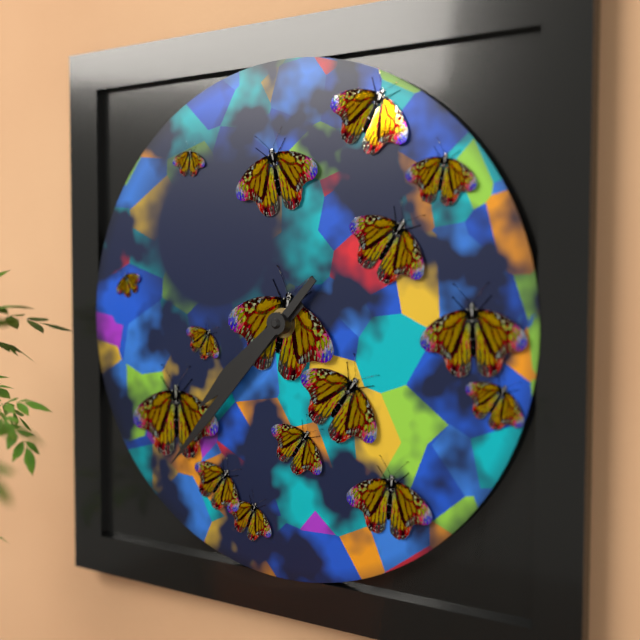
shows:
7,37
